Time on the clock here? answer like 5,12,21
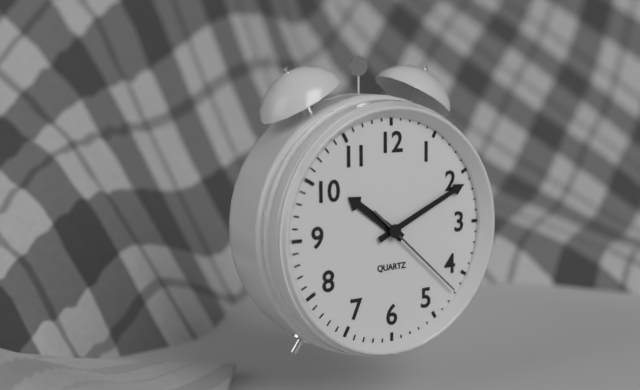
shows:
10,11,22
